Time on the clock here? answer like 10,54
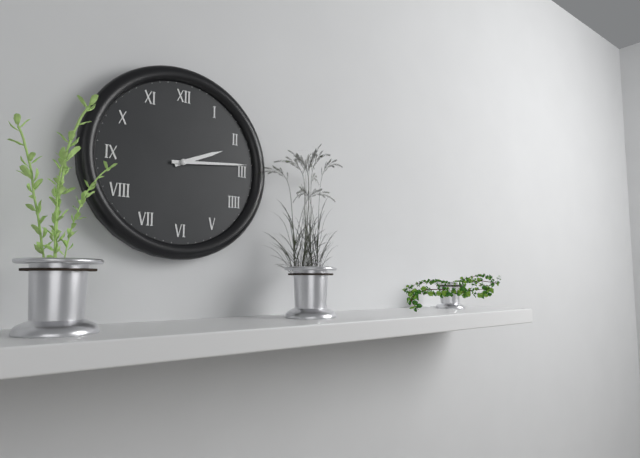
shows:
2,14
